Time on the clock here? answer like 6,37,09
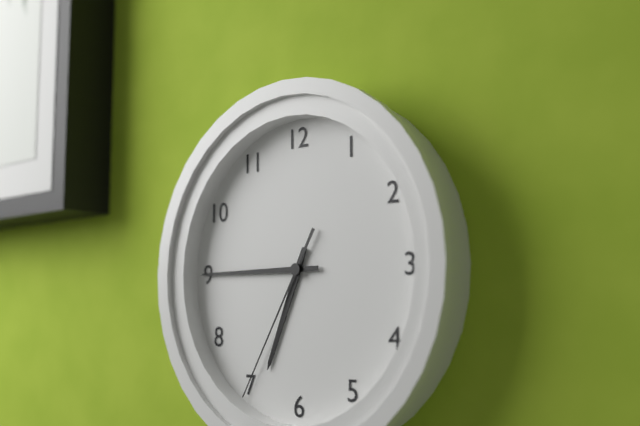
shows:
6,45,35
